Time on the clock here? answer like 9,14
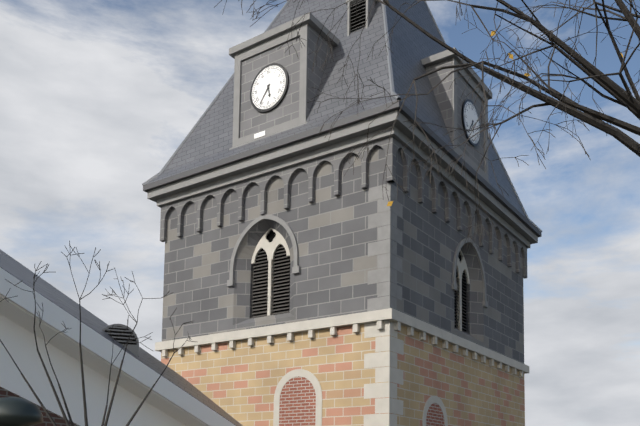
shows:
5,36
